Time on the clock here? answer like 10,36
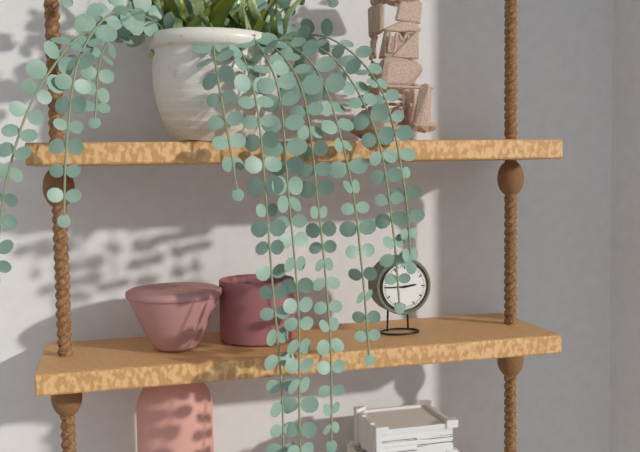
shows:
2,45
